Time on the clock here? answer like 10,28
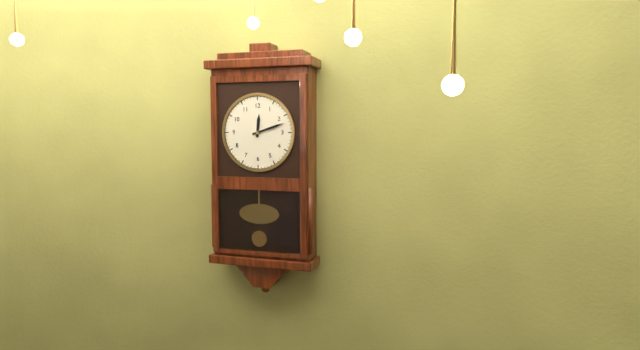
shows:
12,12
